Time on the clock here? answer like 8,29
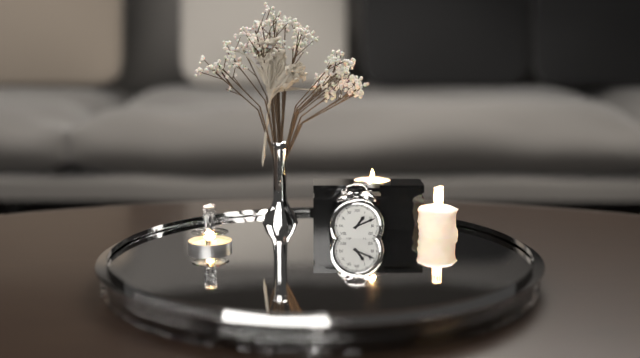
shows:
1,11
